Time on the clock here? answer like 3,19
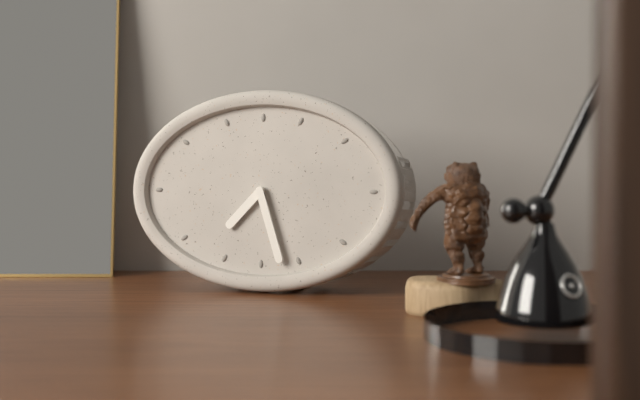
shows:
7,27
